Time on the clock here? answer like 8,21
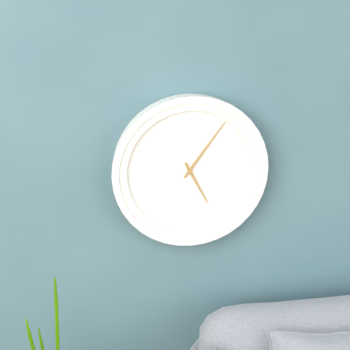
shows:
5,06
